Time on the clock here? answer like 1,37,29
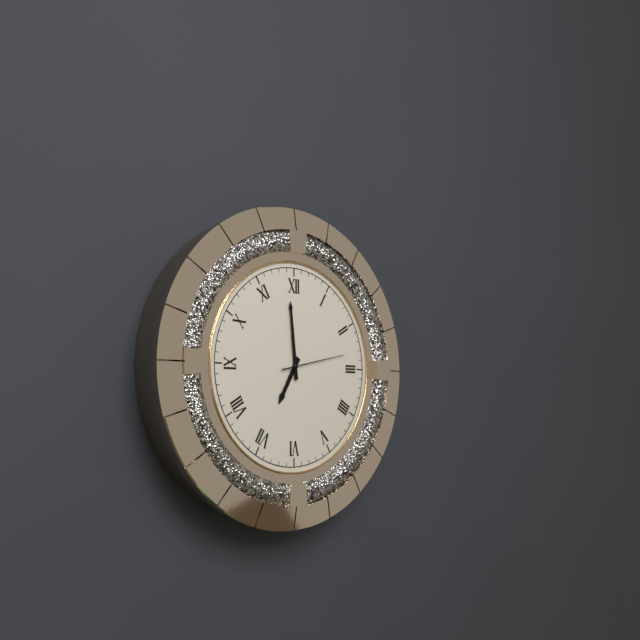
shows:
6,59,13
